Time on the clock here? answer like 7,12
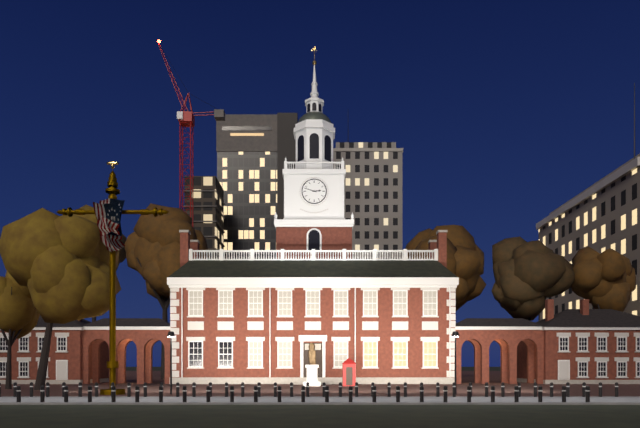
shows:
2,48
